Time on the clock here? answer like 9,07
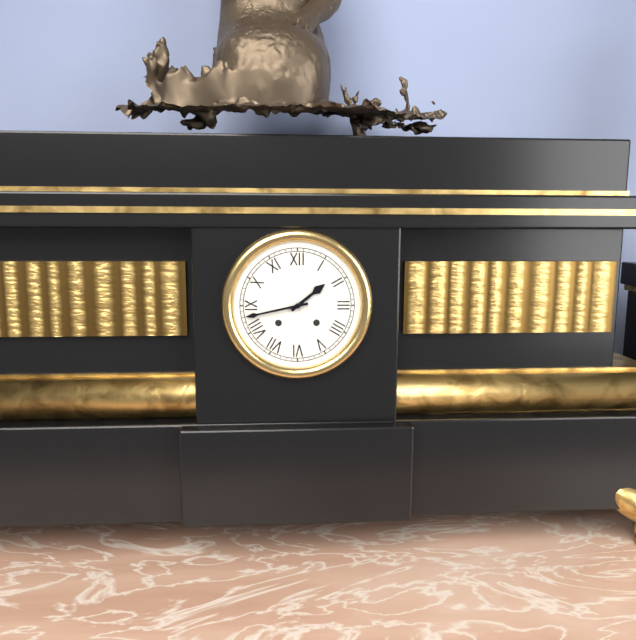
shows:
1,43
